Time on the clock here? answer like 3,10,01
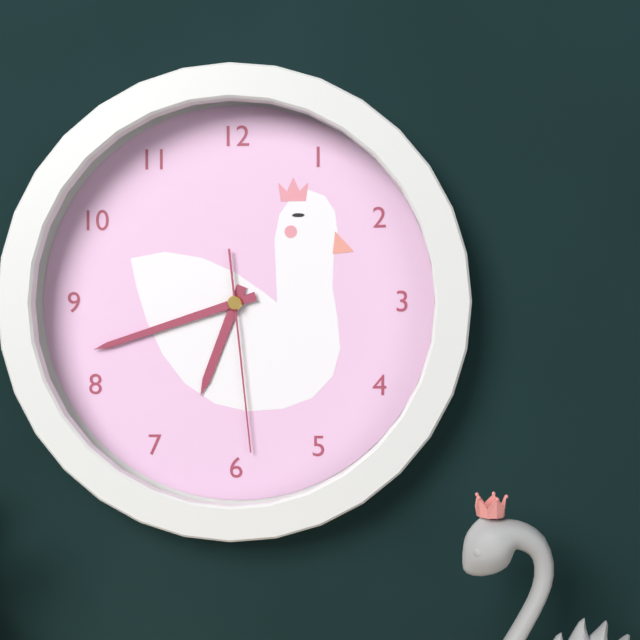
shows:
6,42,29
